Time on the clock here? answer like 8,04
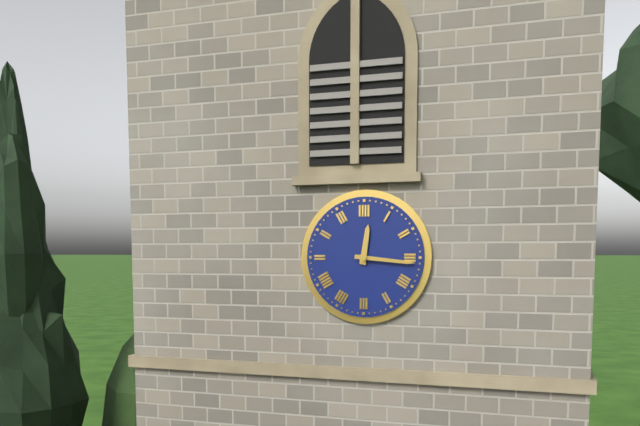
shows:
12,16
